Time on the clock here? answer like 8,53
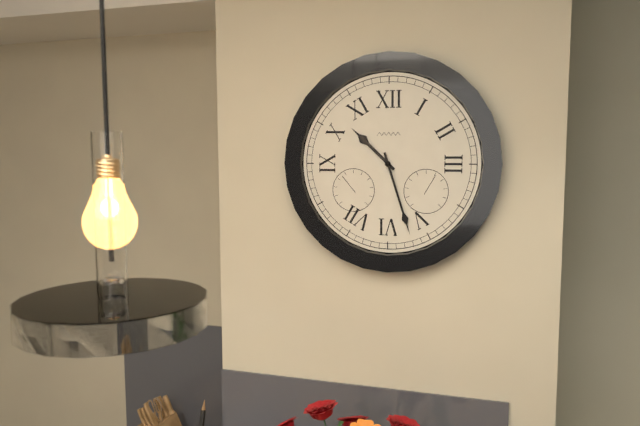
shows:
10,27
